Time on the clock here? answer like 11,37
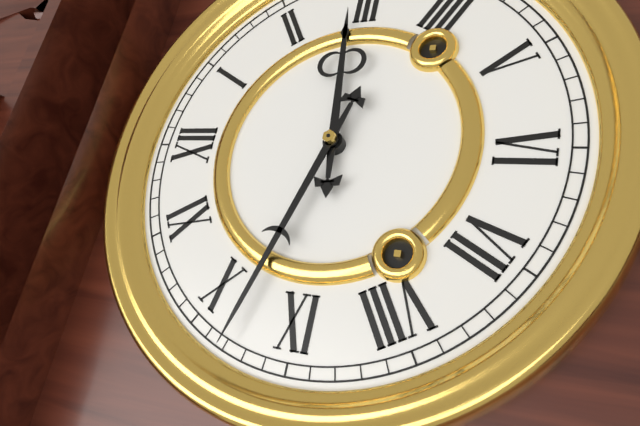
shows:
2,48
